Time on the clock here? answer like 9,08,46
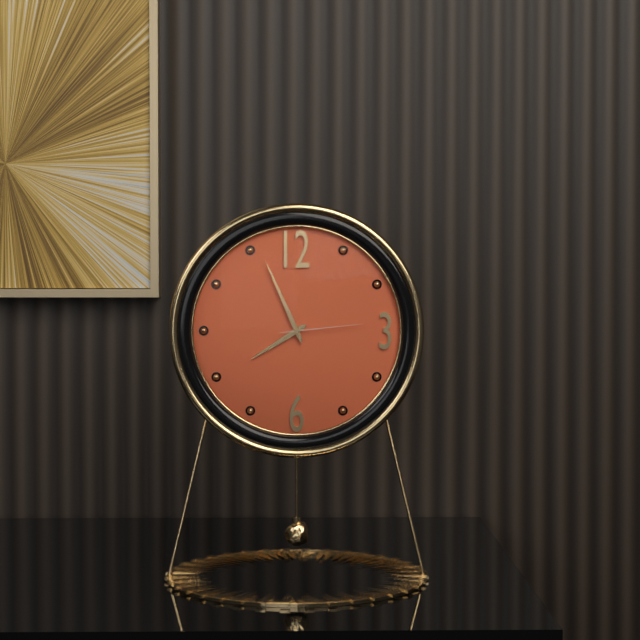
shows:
7,56,14
